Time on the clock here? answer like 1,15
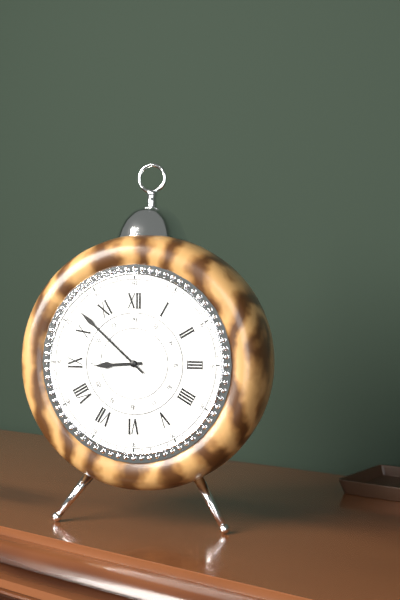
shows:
8,52
